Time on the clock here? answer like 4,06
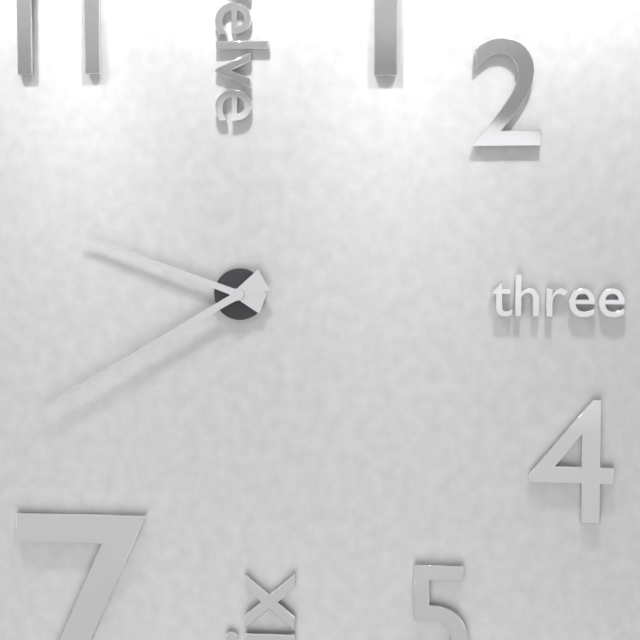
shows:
9,40
